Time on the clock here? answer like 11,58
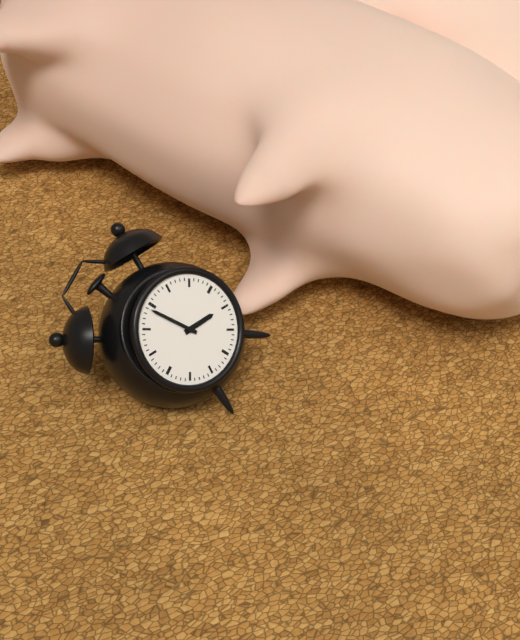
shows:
3,59
